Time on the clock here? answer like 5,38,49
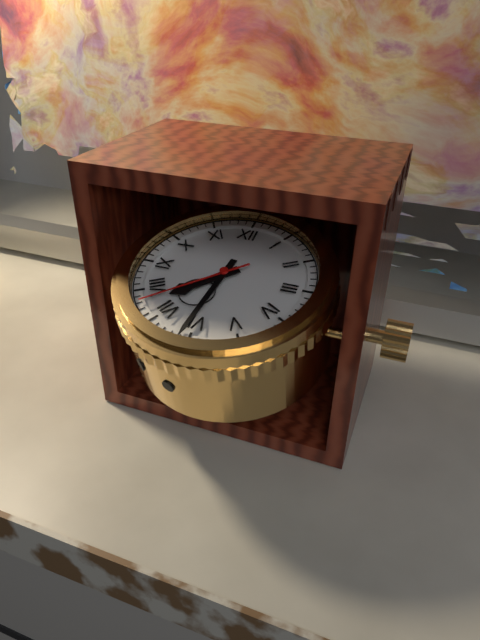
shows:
7,31,38
